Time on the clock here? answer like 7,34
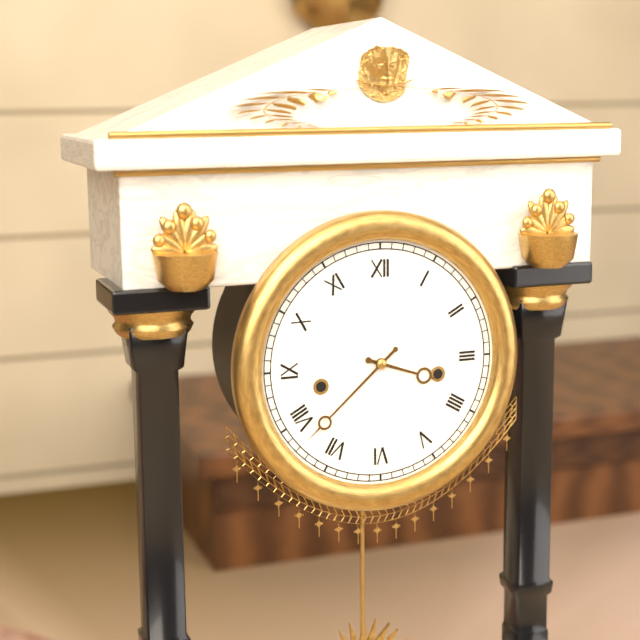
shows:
3,38
